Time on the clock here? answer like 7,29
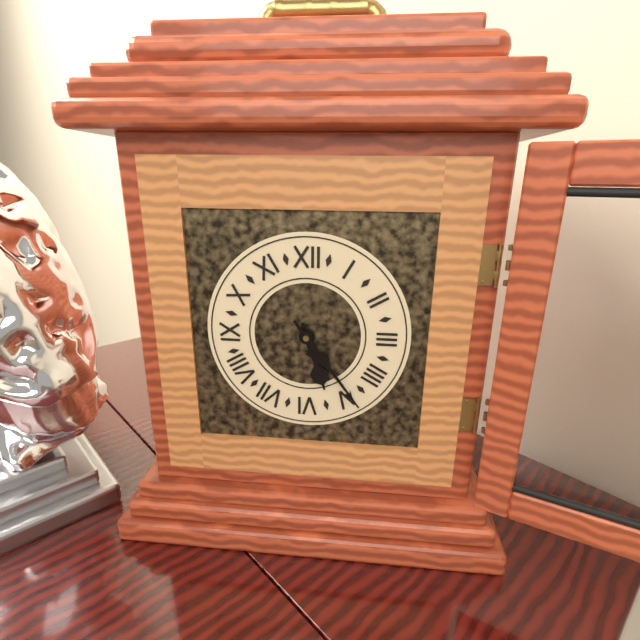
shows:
5,24
